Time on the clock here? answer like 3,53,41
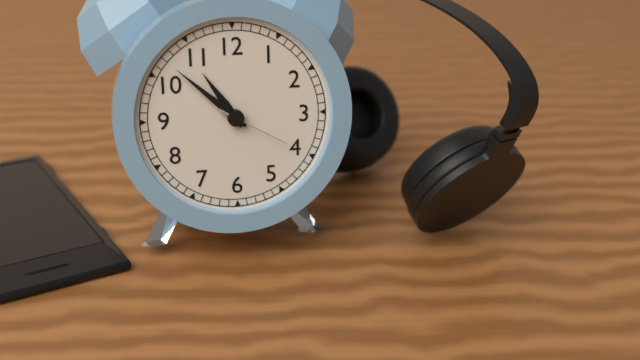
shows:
10,52,20
